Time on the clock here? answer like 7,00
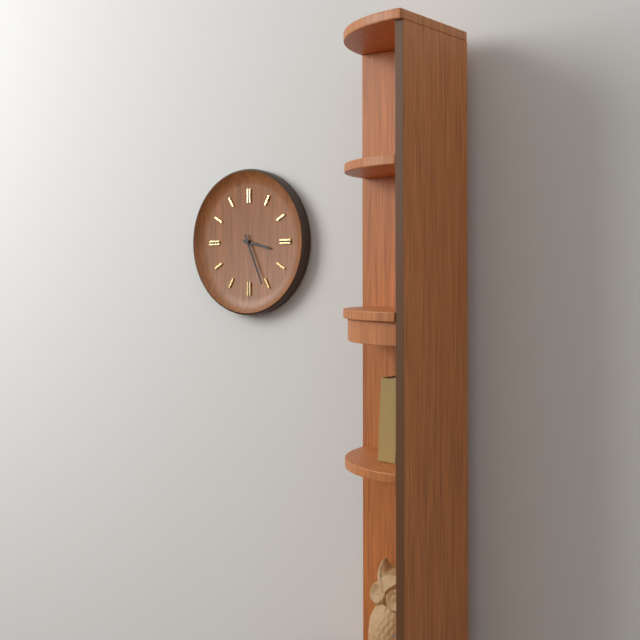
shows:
3,26
